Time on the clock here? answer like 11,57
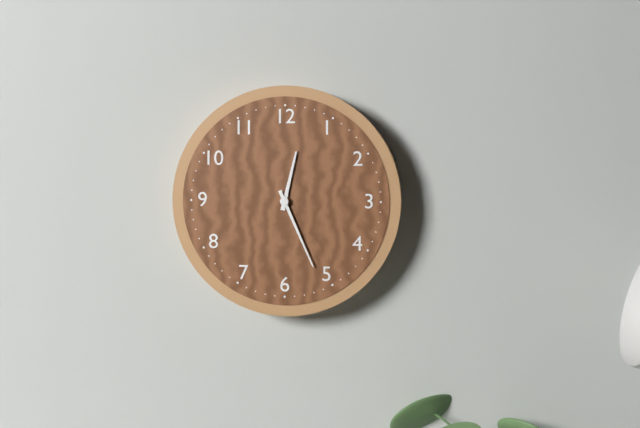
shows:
12,26
